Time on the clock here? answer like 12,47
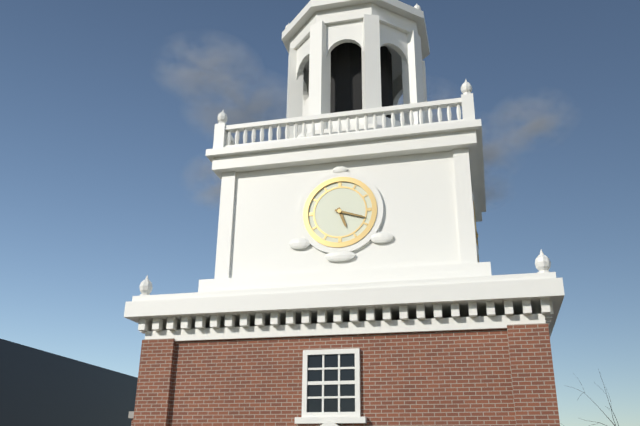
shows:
5,18
